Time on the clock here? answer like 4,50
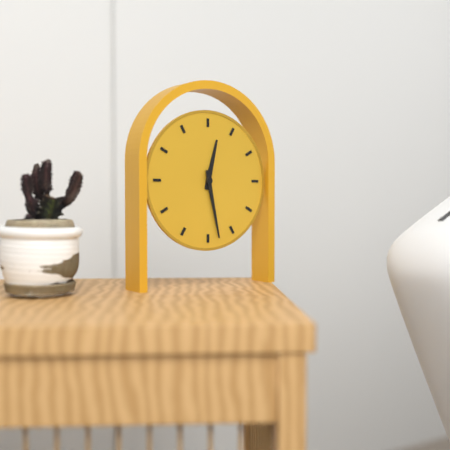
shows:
12,28
